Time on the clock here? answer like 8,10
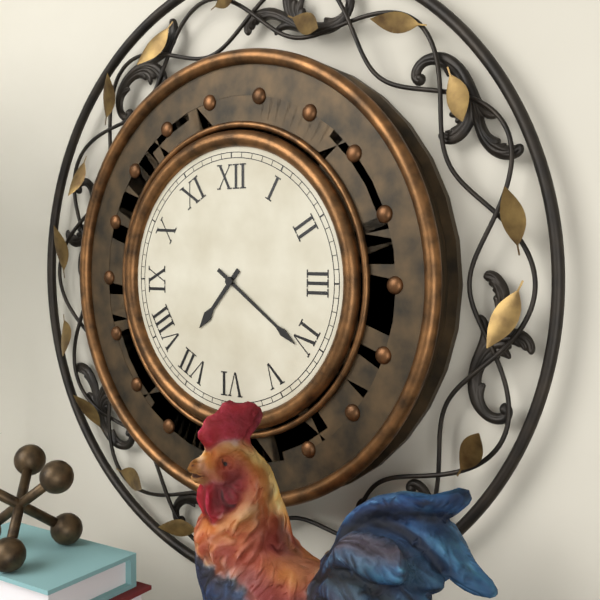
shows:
7,21
